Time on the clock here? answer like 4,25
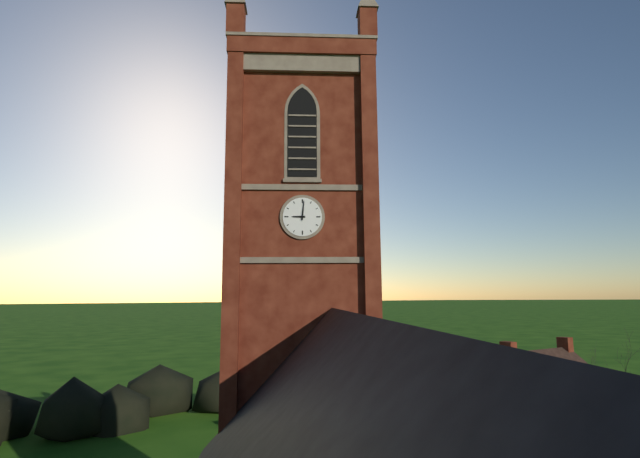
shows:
9,01
